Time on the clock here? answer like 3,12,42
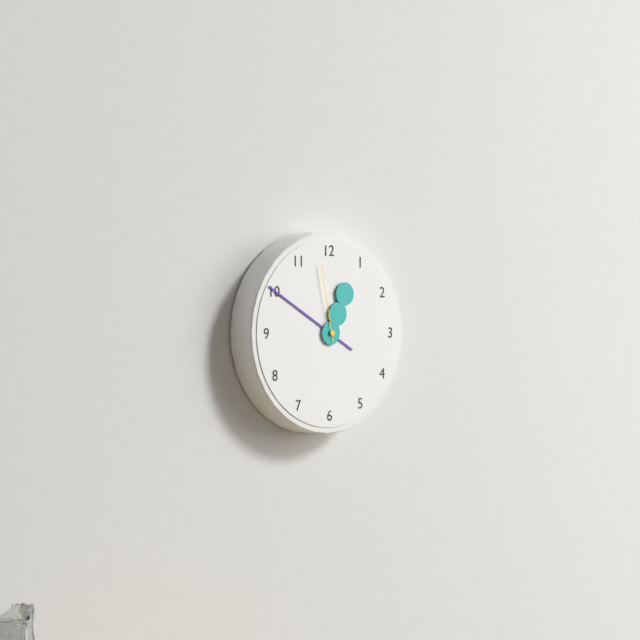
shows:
12,50,58
